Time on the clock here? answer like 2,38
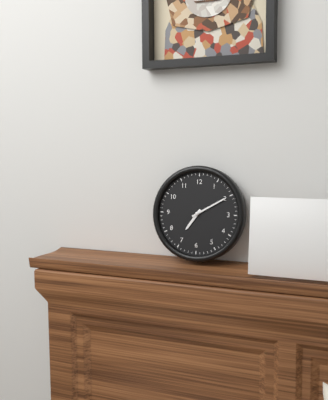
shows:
7,10
